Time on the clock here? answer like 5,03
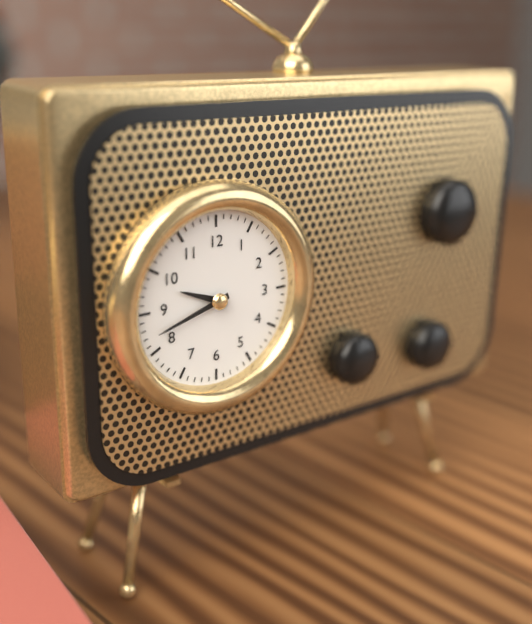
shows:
9,42
